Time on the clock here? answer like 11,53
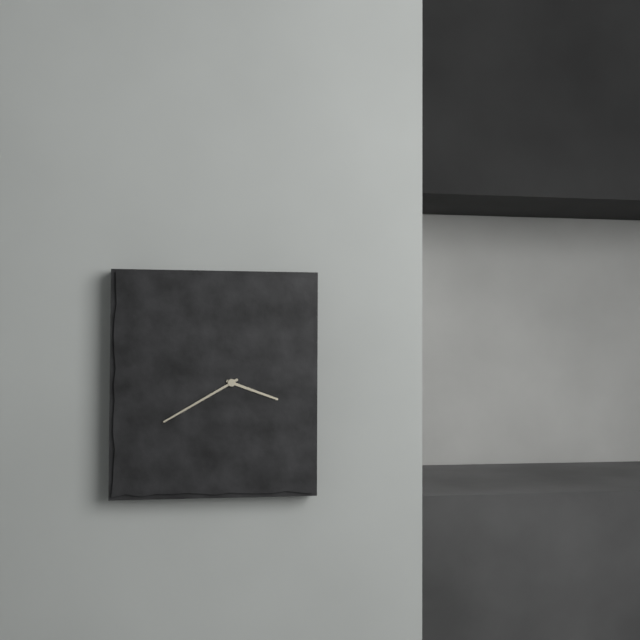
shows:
3,40
